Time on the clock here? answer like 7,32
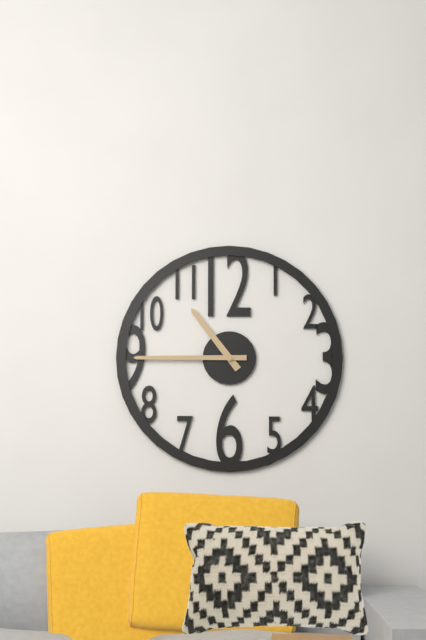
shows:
10,45
